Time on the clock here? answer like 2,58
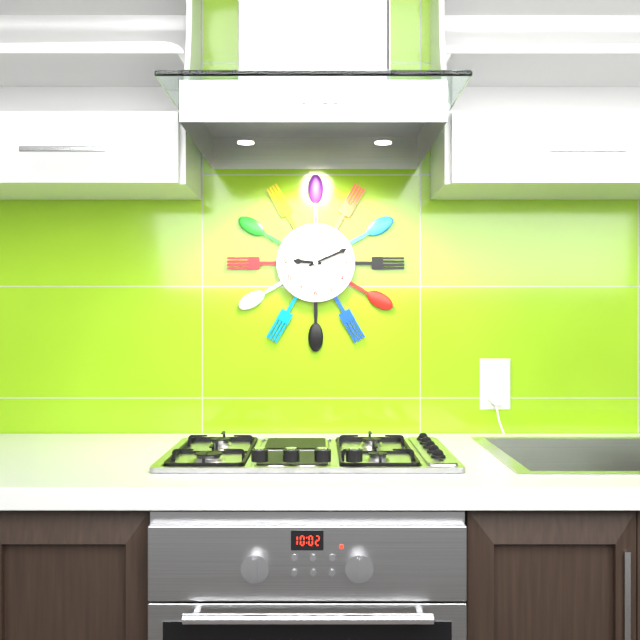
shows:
9,11
